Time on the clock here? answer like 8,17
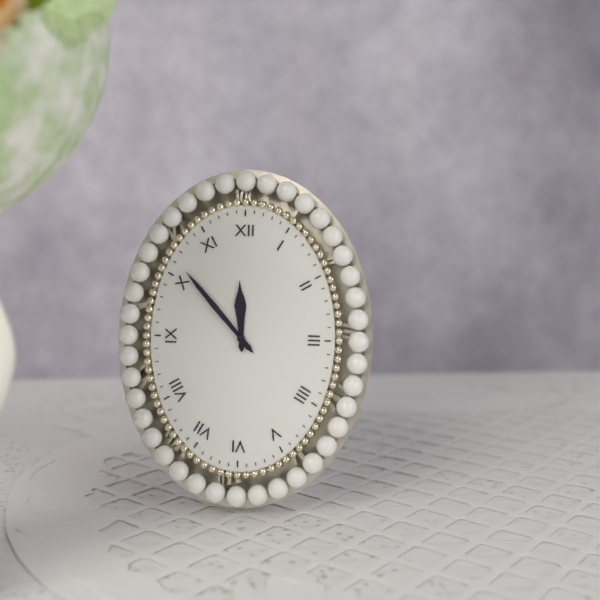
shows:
11,53
